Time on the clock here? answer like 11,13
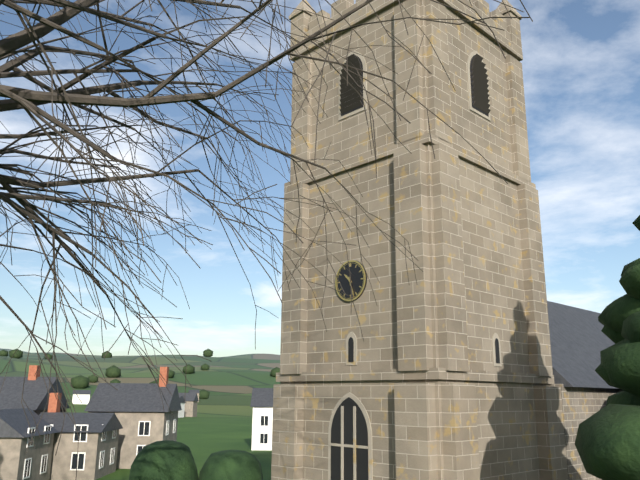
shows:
10,27
